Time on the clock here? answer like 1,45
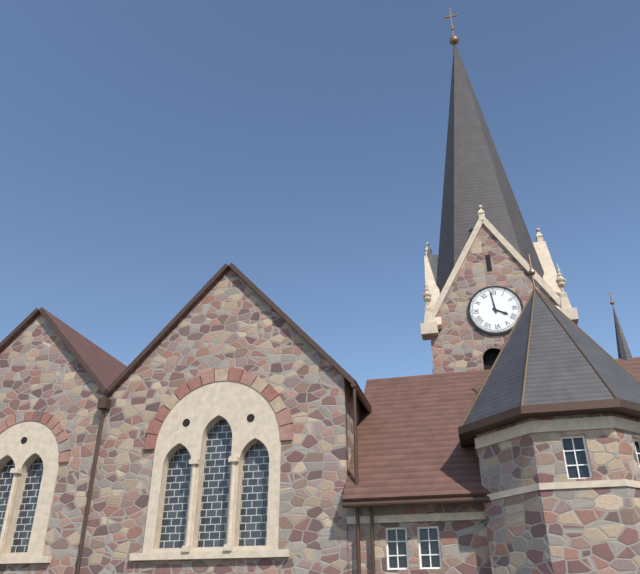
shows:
3,59
